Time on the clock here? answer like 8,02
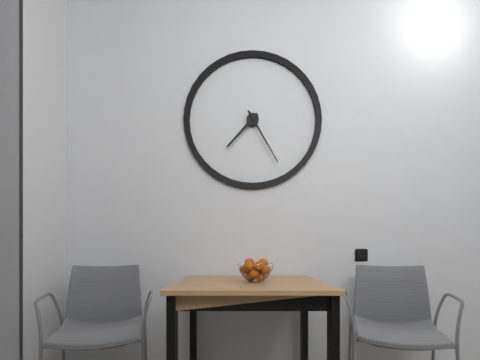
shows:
7,25
